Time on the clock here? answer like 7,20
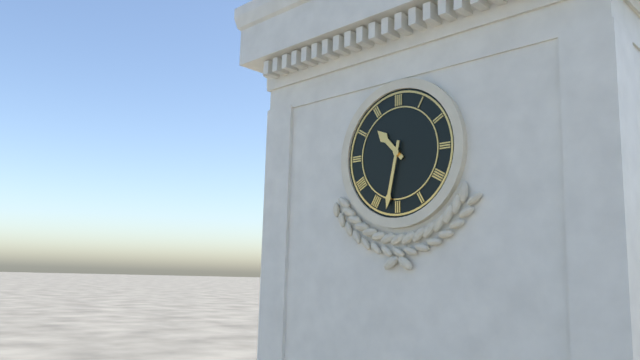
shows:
10,32
